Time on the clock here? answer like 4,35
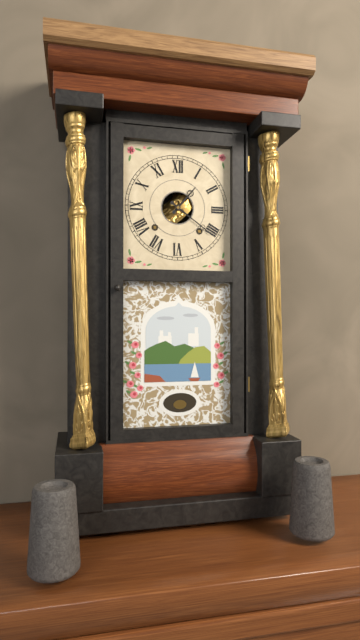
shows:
1,21
